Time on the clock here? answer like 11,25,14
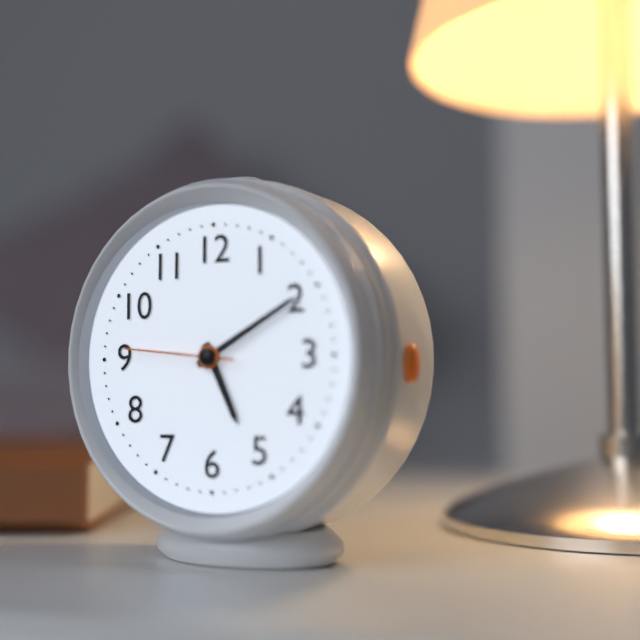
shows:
5,10,46
